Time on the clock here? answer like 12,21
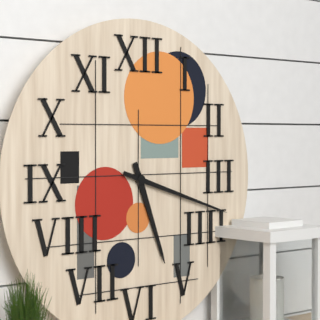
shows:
5,18
